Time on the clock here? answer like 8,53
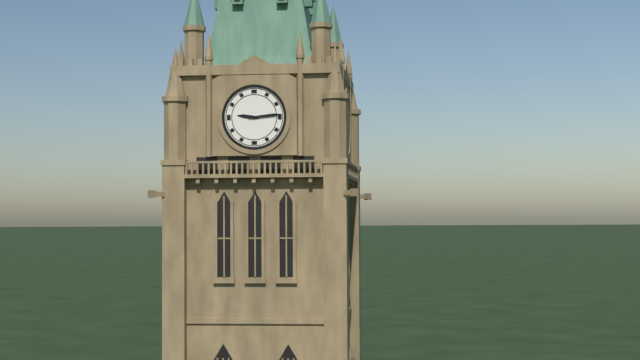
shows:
9,14
